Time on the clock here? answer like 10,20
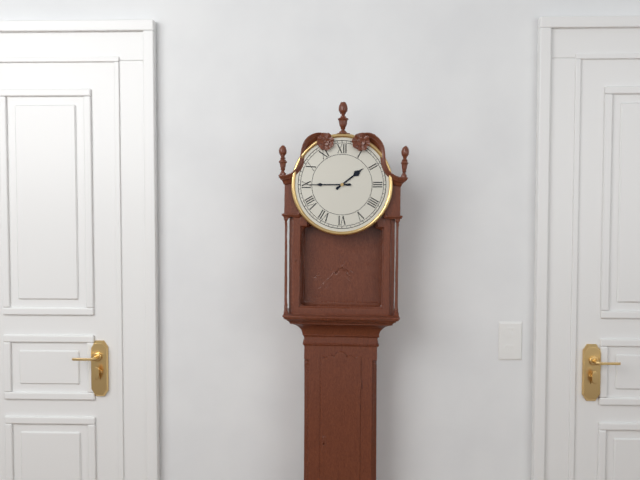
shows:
1,45
